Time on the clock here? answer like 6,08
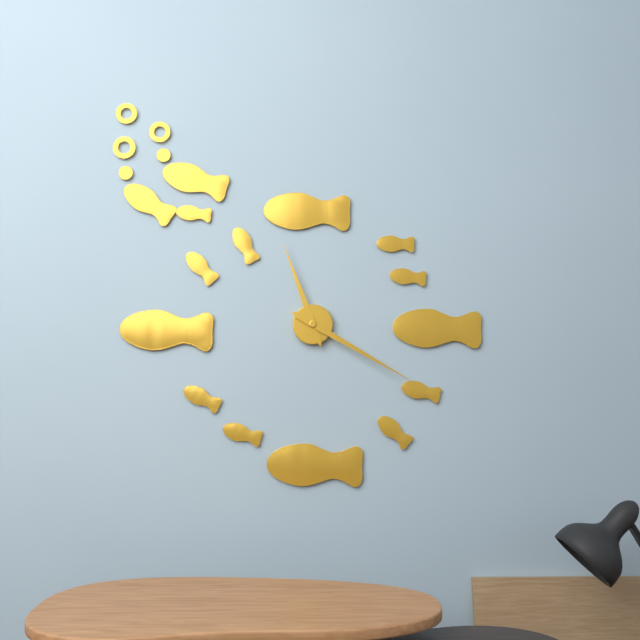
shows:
11,20
